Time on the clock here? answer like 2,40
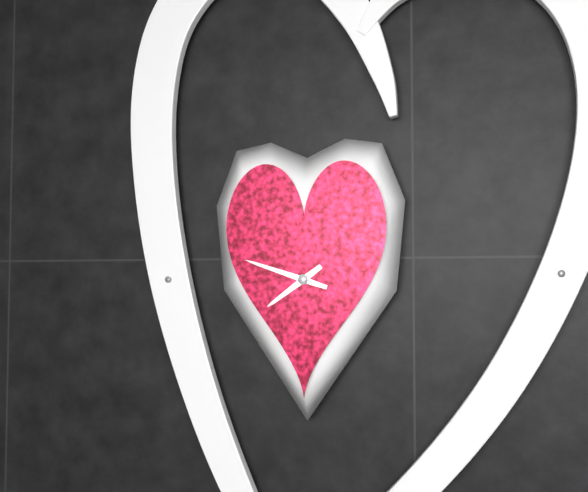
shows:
7,48
